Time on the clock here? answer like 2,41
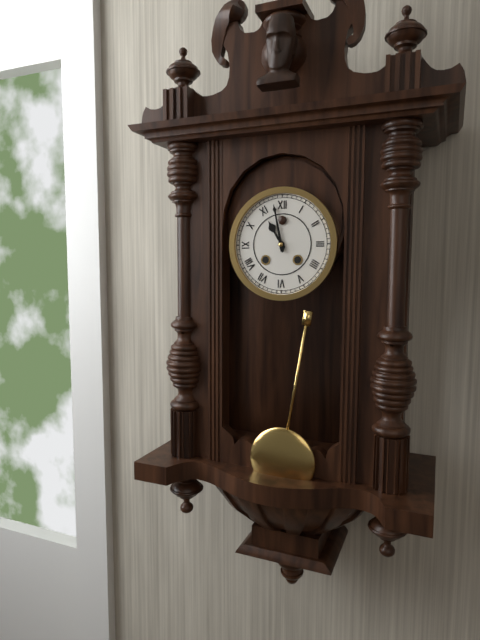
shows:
10,58
